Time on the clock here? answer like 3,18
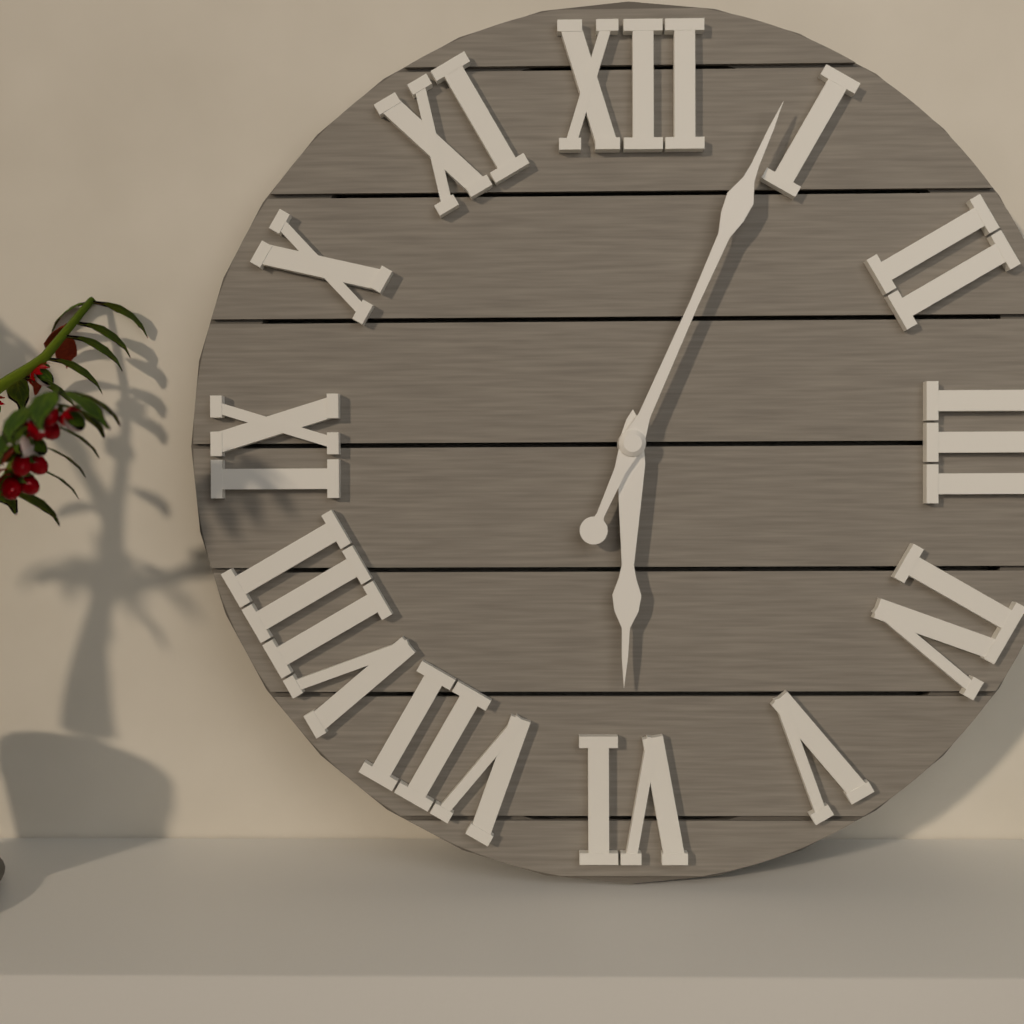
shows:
6,04
